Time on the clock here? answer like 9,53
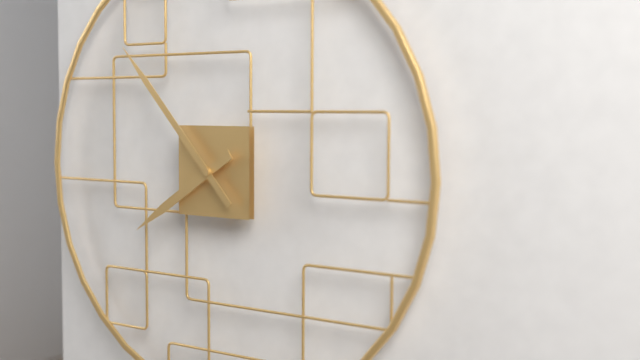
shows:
7,53
